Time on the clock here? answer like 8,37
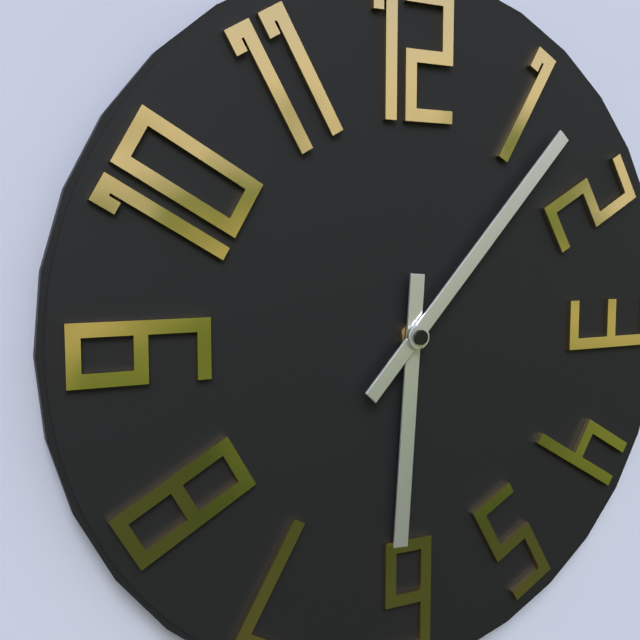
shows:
6,07
